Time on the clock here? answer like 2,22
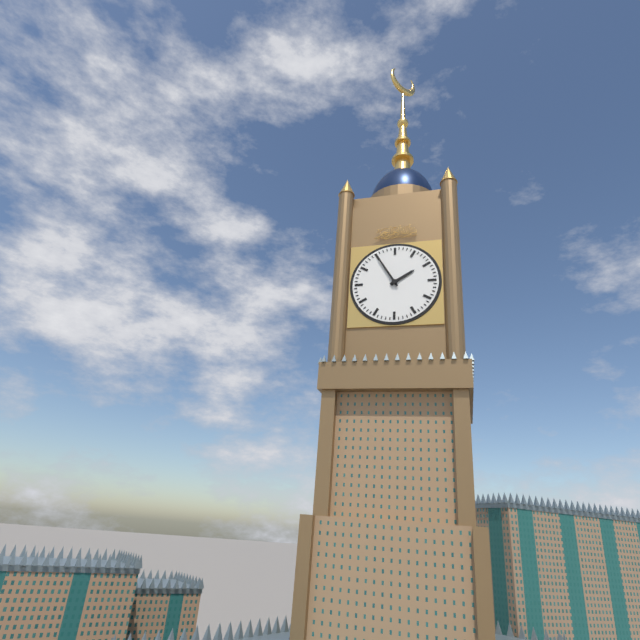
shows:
1,55
